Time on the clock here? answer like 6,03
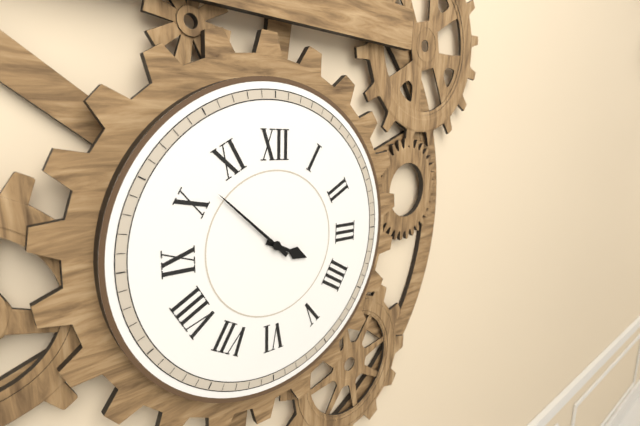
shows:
3,52
